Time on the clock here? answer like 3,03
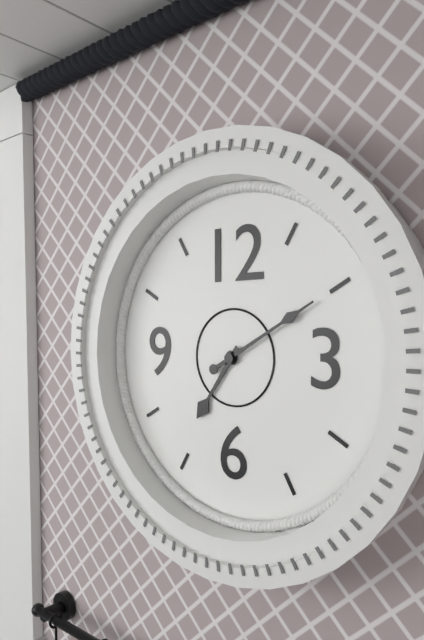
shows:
7,10
